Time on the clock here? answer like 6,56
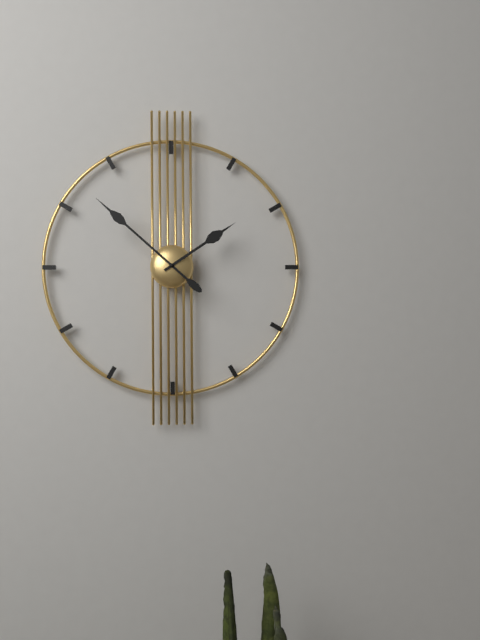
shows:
1,52
